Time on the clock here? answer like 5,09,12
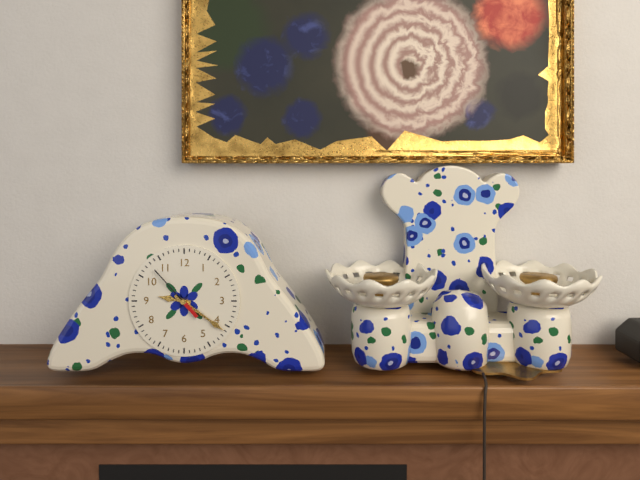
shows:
9,21,53
